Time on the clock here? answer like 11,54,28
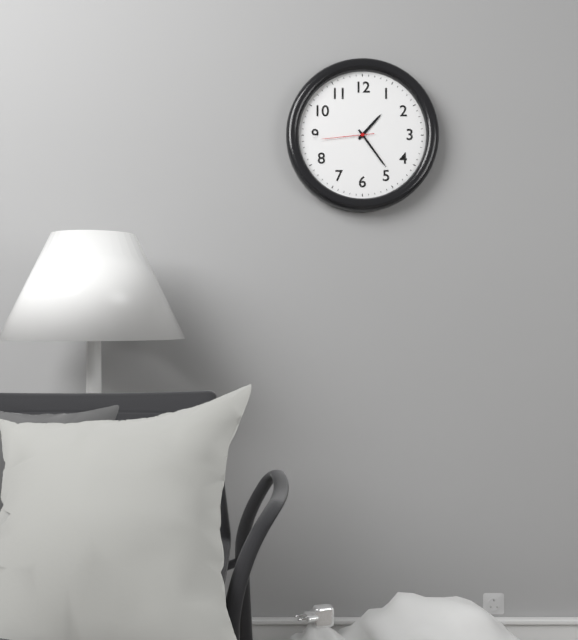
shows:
1,24,44
